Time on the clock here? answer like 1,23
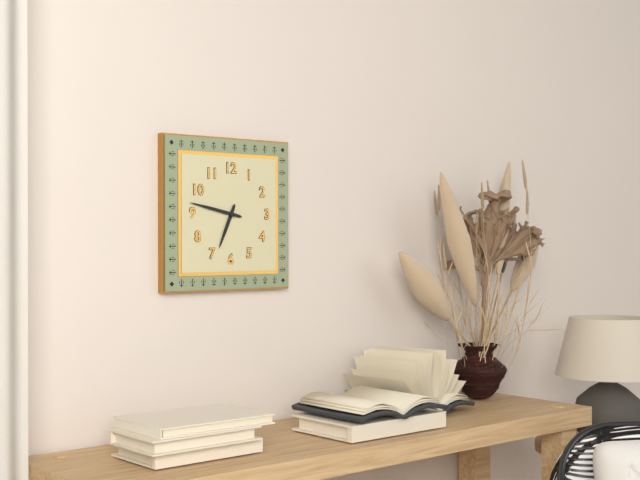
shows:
6,47
